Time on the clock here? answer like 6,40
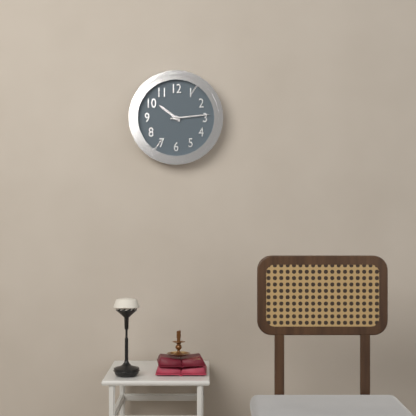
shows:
10,14
